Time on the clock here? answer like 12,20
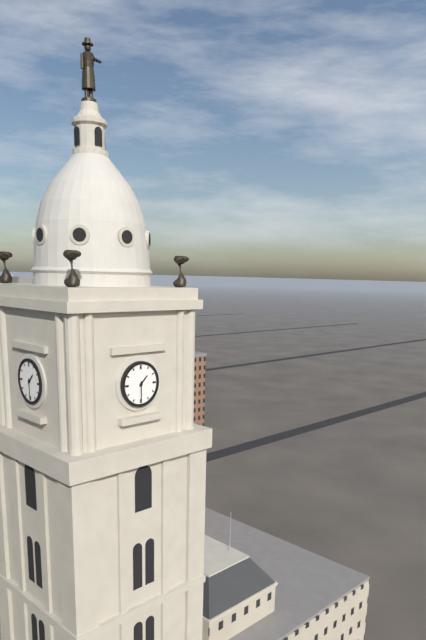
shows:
1,30
